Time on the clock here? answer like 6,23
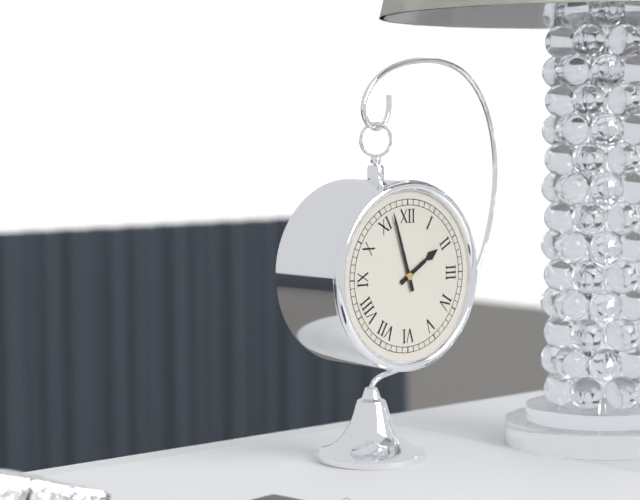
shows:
1,57
